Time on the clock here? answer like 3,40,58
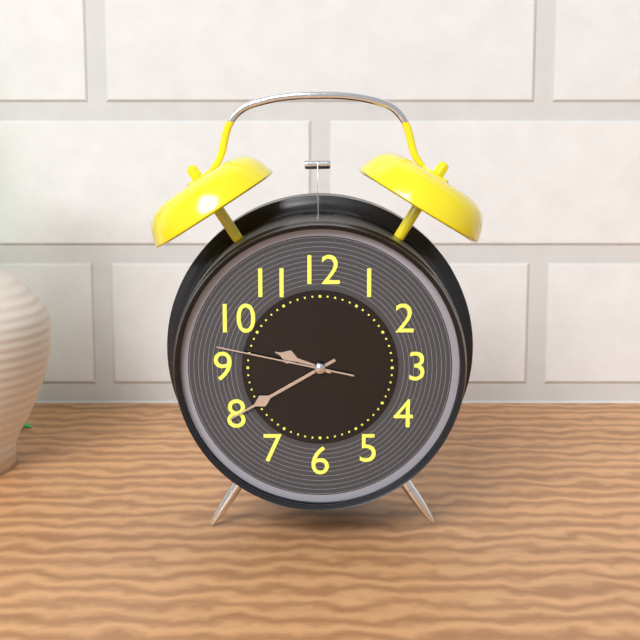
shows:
9,40,47
